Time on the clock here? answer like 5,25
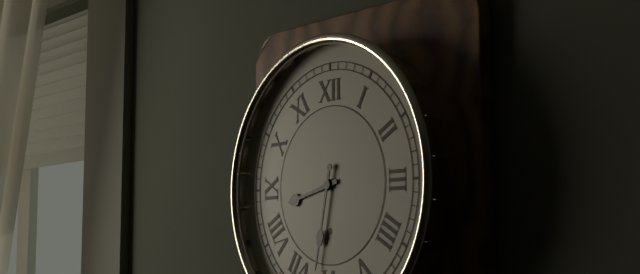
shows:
8,32
